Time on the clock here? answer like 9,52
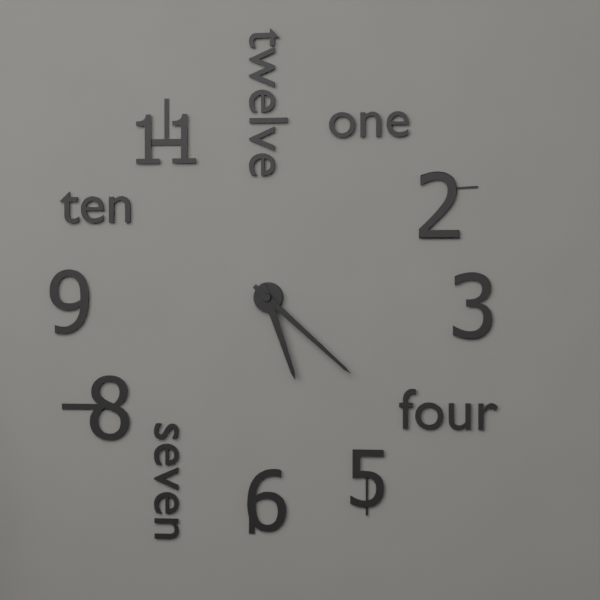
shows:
5,22
